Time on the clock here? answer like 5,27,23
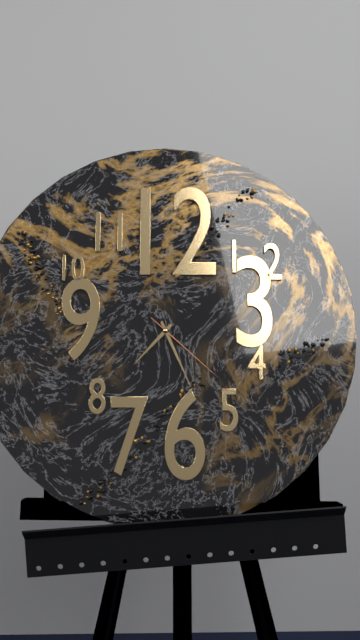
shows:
7,26,22
